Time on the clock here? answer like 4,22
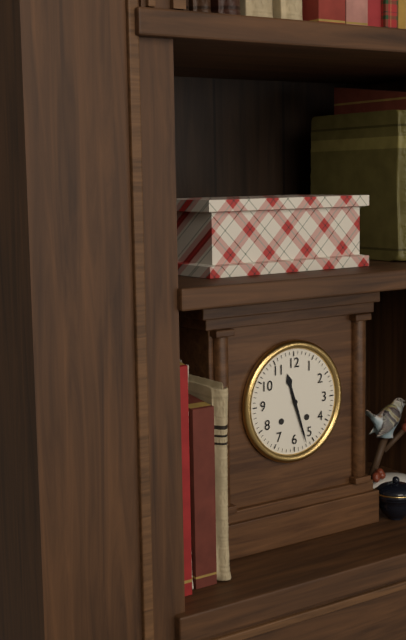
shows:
11,27
